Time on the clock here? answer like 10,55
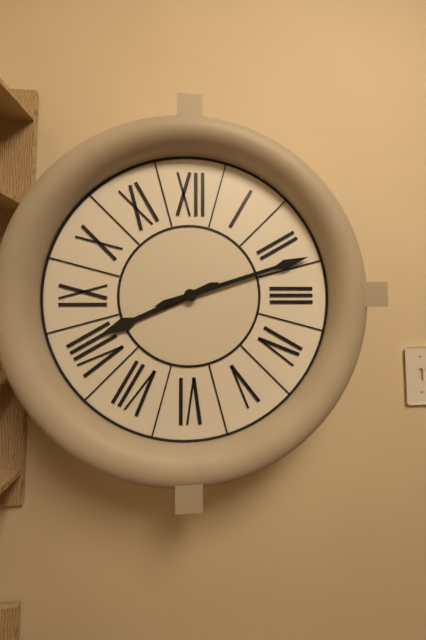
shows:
8,12
